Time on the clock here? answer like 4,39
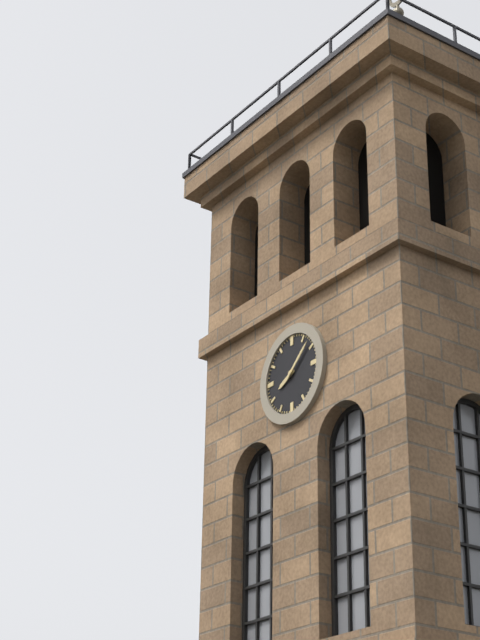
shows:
8,08
